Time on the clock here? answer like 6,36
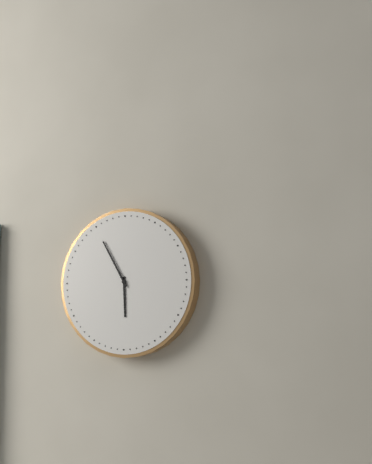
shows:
5,55
